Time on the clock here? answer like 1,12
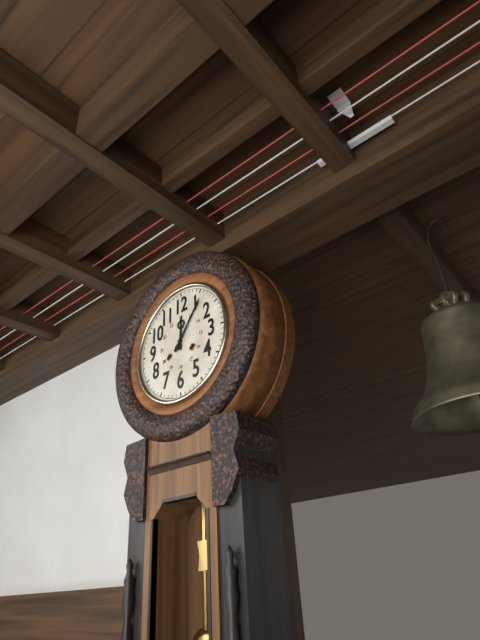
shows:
12,06
